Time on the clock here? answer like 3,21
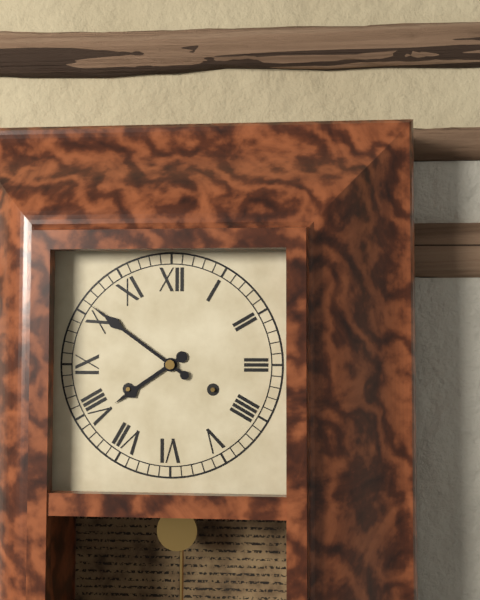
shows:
7,51
